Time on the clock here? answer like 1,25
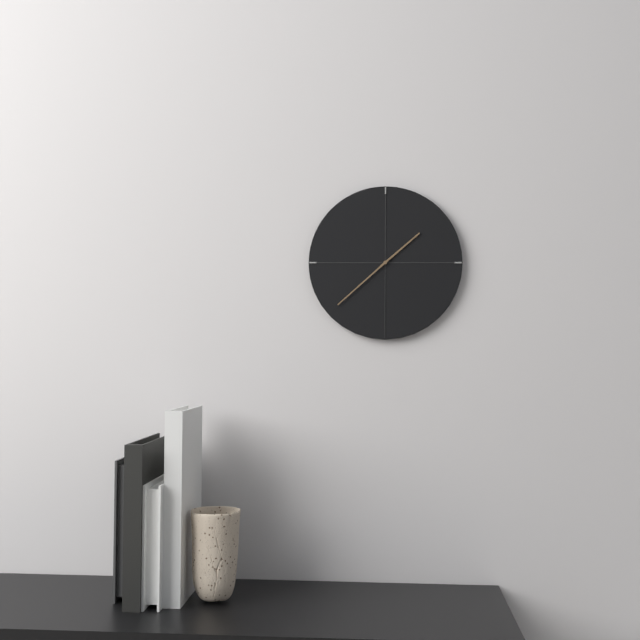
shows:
1,38
